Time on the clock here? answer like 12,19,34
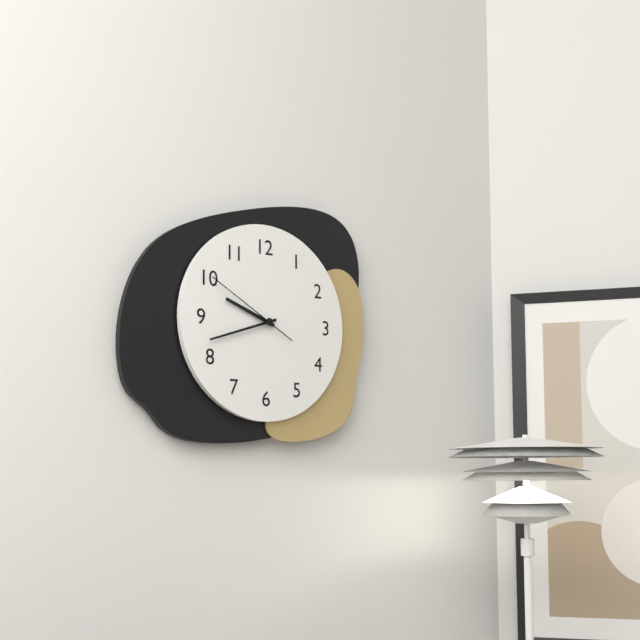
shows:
9,42,50
